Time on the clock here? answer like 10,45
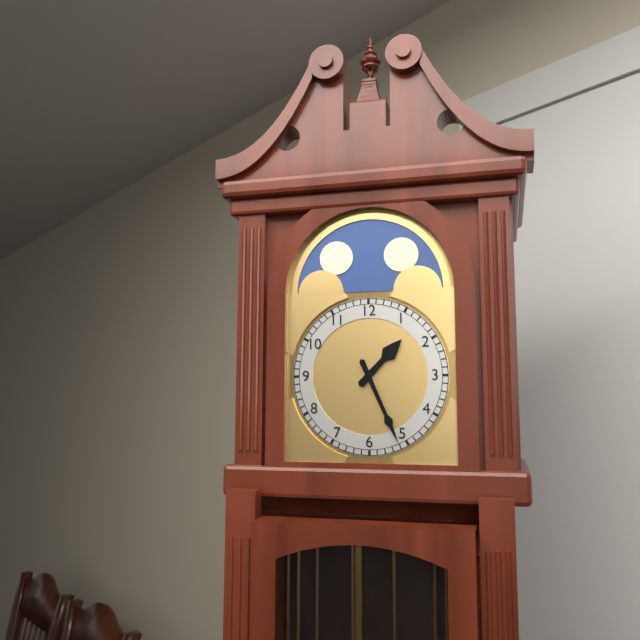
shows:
1,26
